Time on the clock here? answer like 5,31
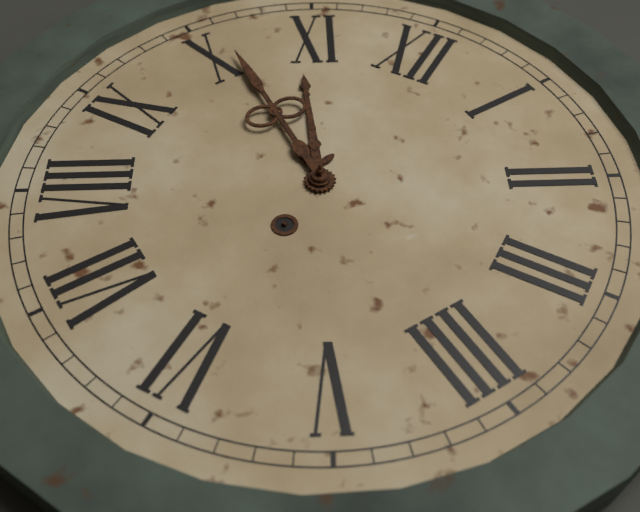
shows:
10,51
